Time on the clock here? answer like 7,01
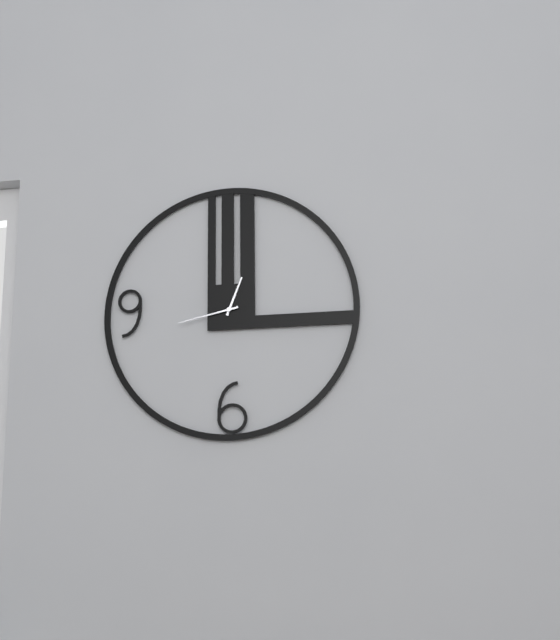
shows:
12,43
